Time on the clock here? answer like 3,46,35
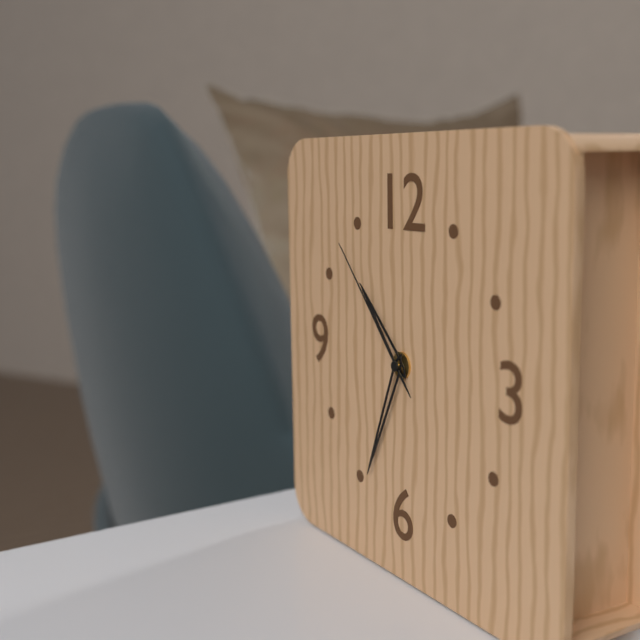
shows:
10,34,53
